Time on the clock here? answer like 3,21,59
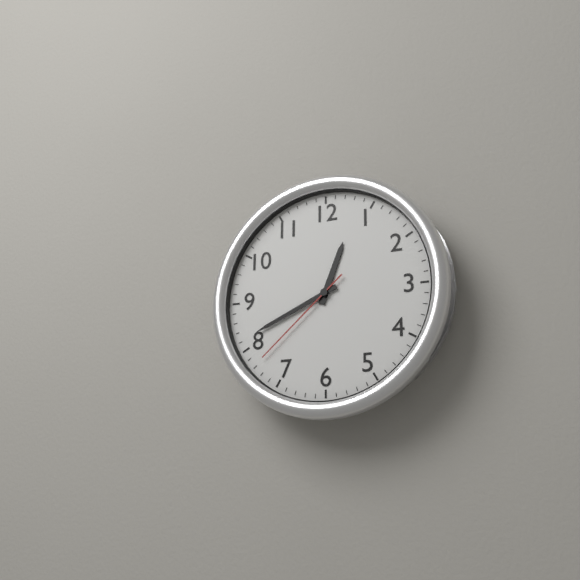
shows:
12,41,38
